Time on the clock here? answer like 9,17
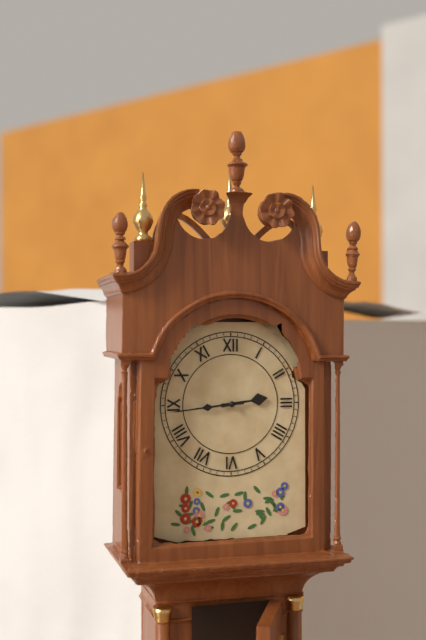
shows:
2,44
